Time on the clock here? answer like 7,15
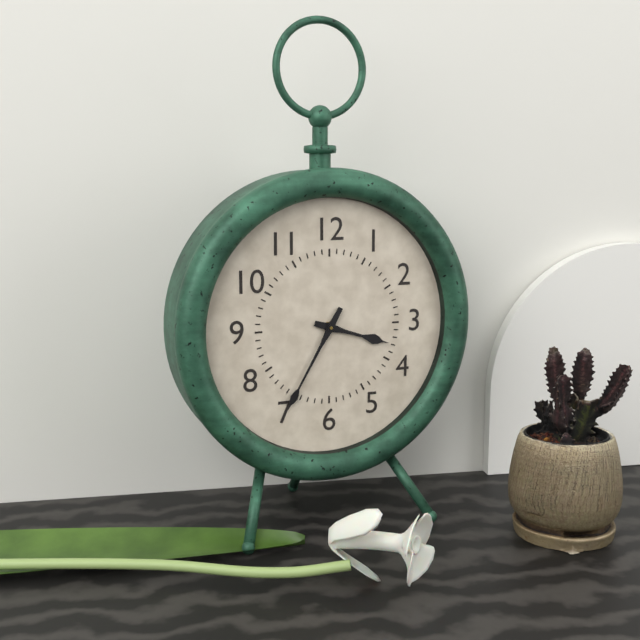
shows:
3,35
